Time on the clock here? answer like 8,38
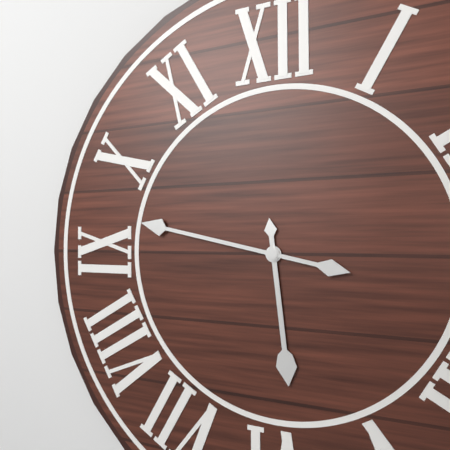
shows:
5,47
